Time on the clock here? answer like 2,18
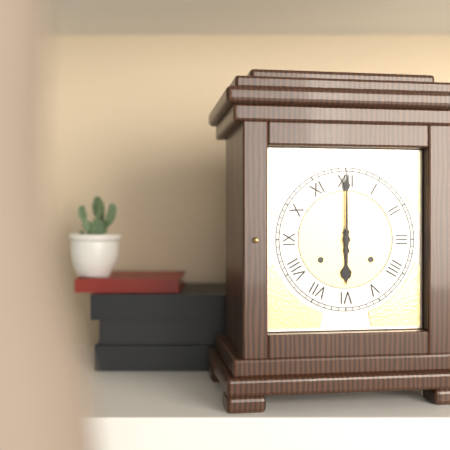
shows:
6,00
